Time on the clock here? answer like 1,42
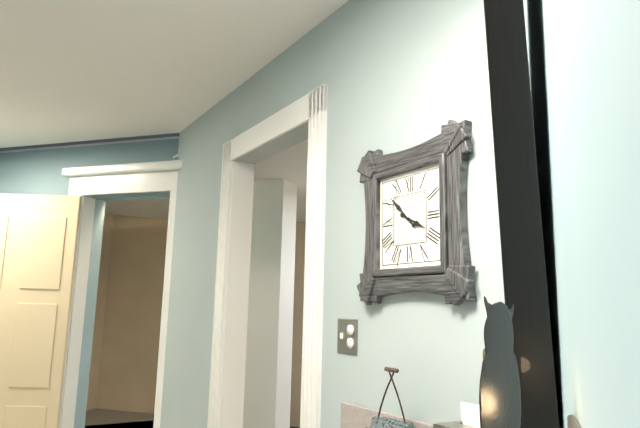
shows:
3,52
